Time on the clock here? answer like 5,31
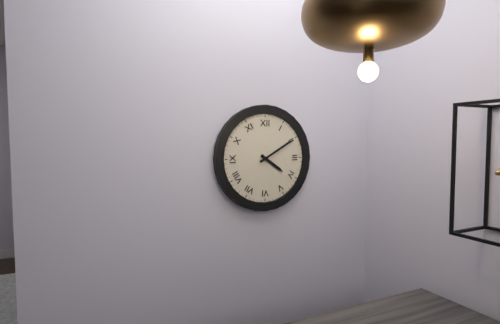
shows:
4,10
